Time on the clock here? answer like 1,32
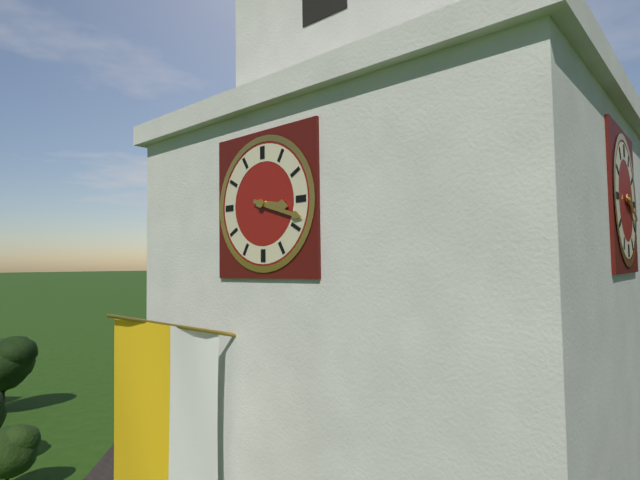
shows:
3,18
